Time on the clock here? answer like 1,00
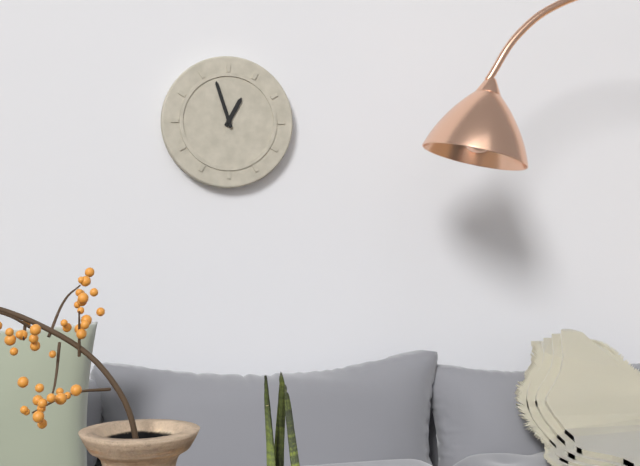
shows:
12,57
